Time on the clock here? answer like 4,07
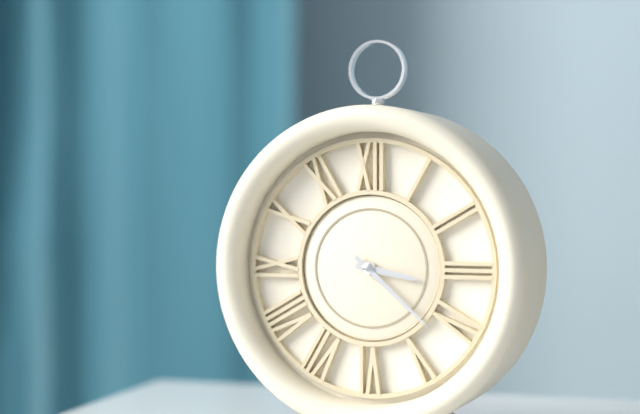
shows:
3,22
